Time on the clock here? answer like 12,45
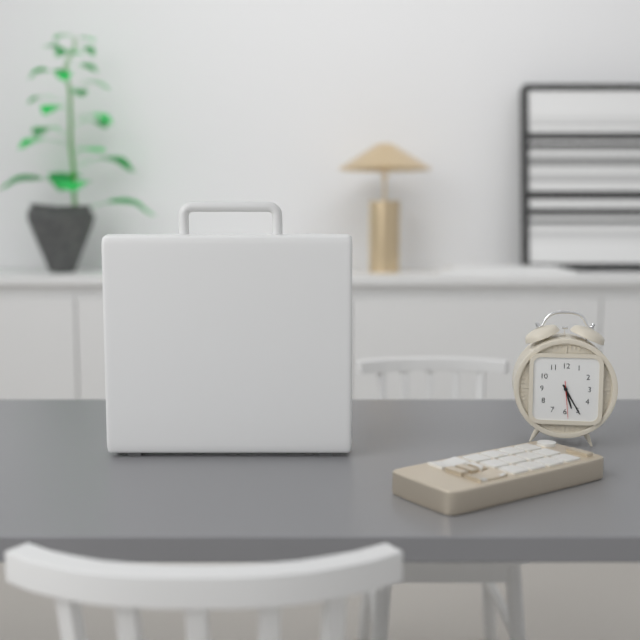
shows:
5,25
